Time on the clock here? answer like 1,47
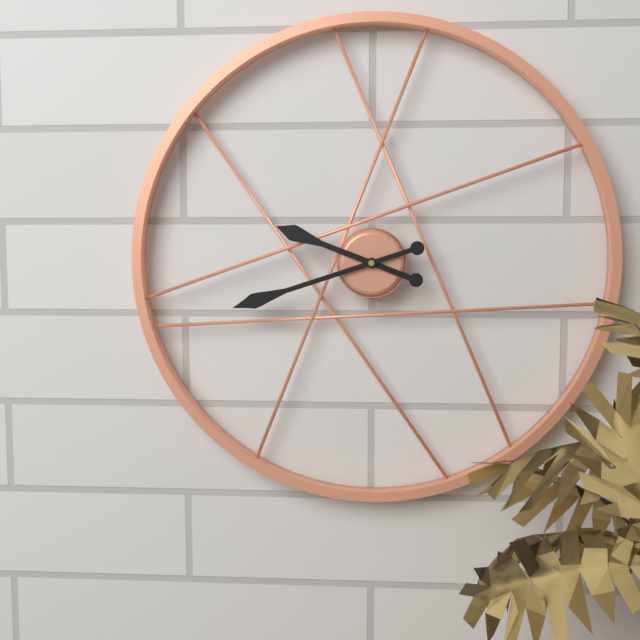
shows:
9,42
